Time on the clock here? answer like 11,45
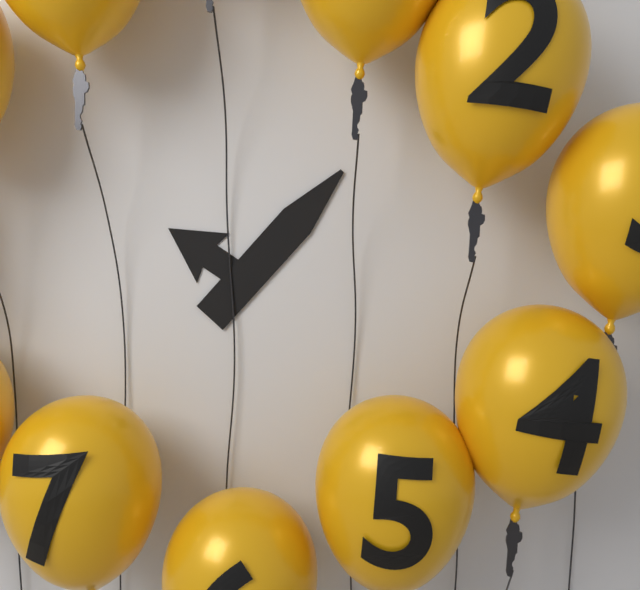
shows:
10,07
